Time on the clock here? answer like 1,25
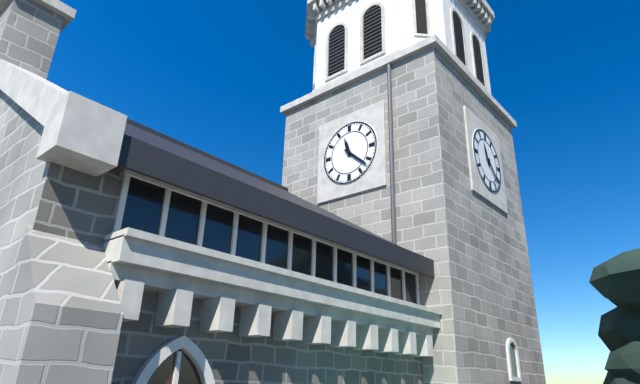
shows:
11,22
